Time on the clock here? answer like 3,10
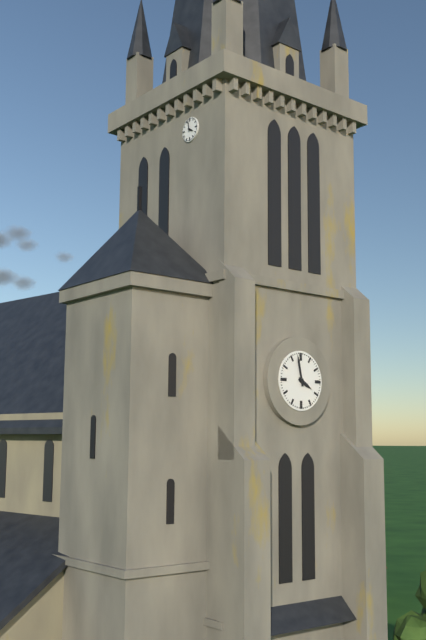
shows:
3,58
